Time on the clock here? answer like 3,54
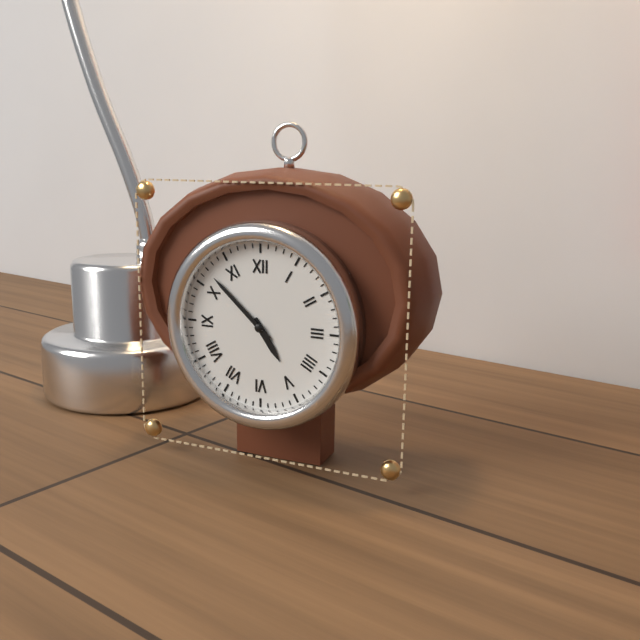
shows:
4,52
